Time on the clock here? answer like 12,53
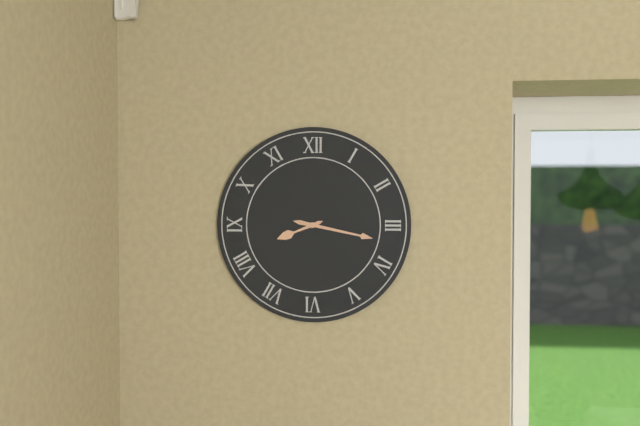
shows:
8,17
